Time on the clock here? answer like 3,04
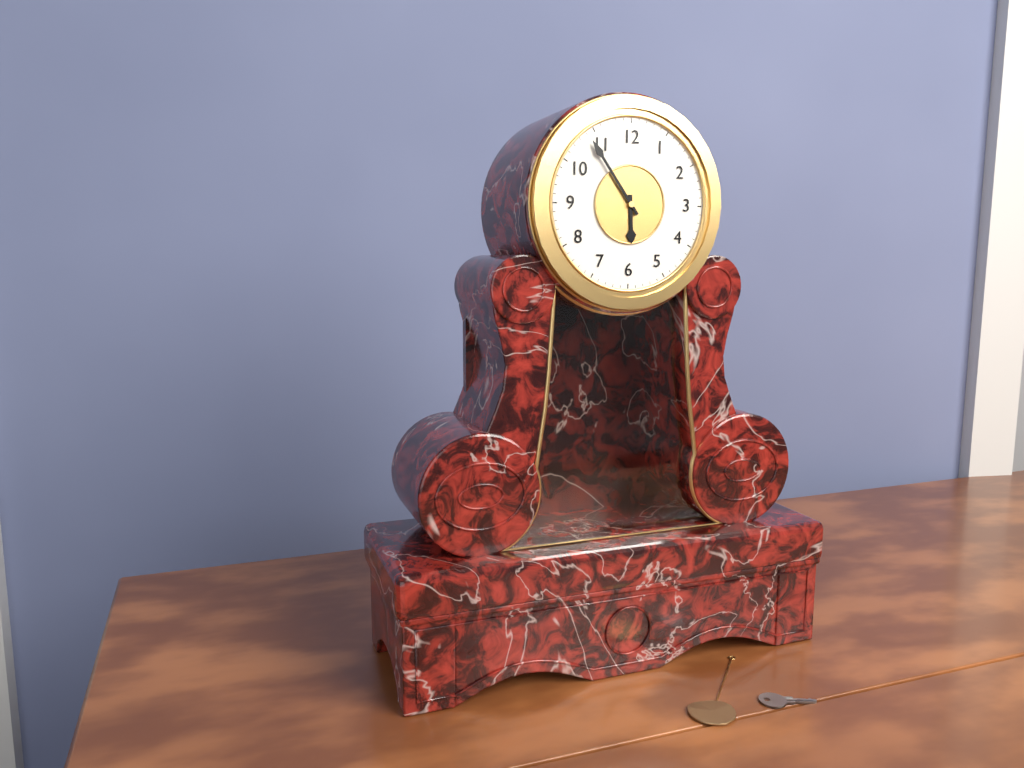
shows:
5,54
